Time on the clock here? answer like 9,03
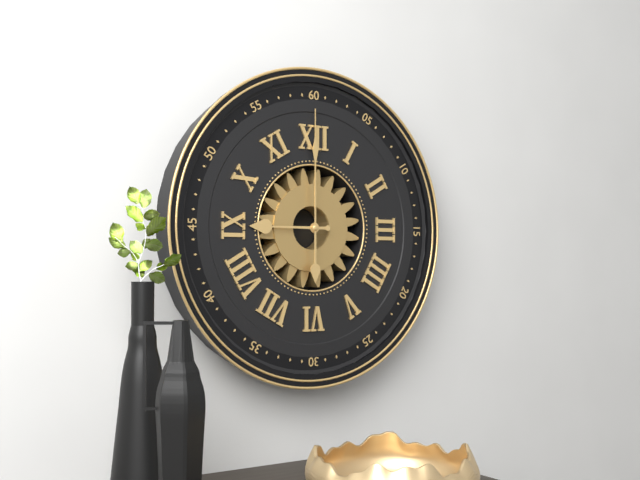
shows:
9,00
